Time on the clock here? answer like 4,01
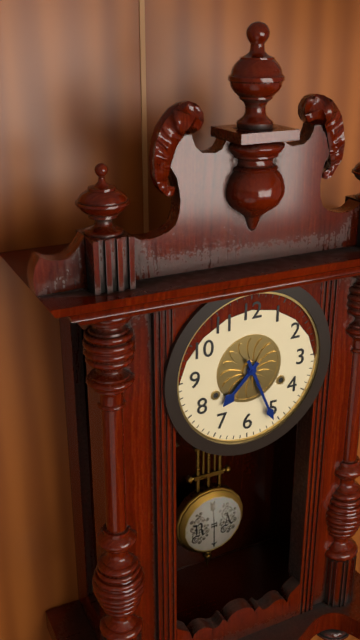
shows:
7,26
